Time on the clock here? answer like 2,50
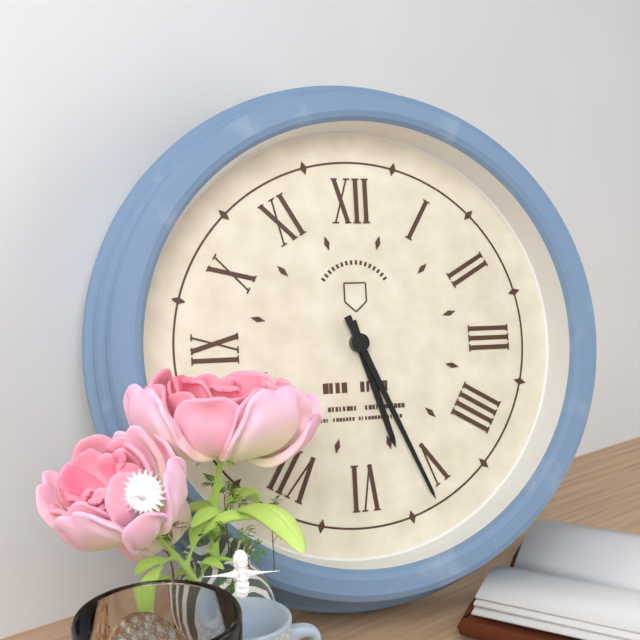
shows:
5,26
